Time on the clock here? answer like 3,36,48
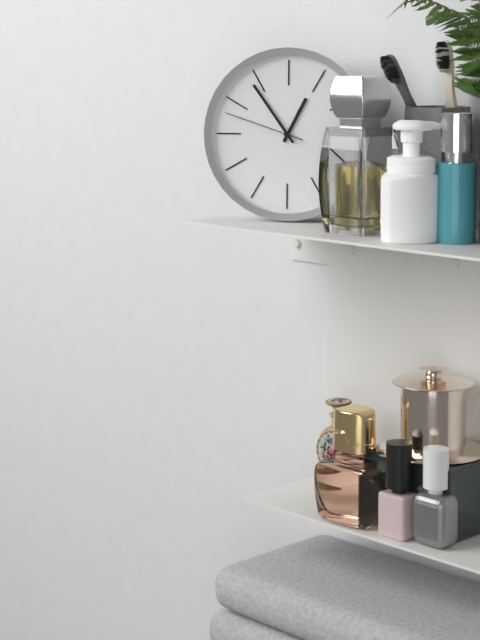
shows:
12,54,48
